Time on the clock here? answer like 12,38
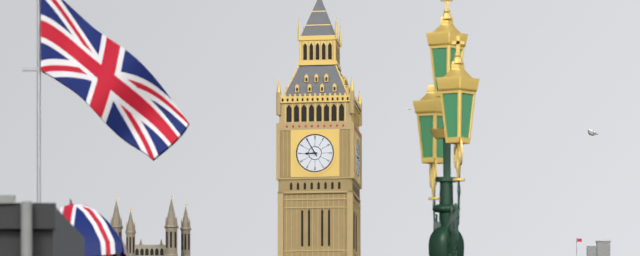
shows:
8,55
